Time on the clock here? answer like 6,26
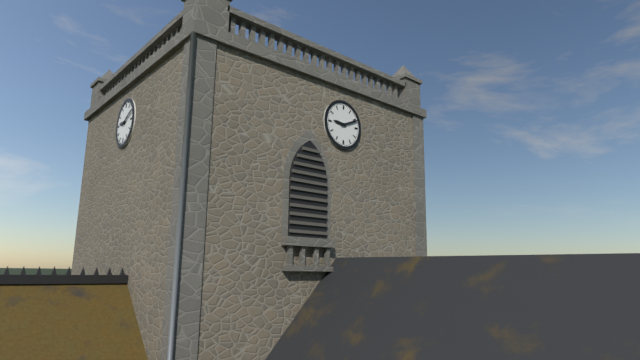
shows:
9,11
